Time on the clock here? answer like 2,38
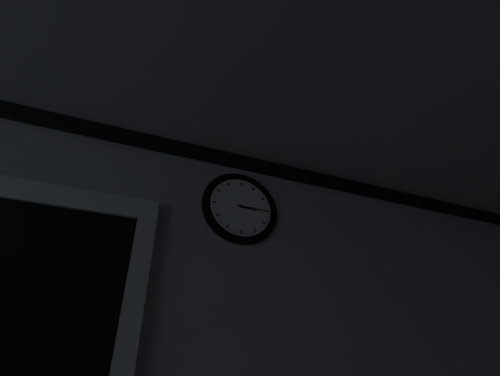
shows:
3,15
